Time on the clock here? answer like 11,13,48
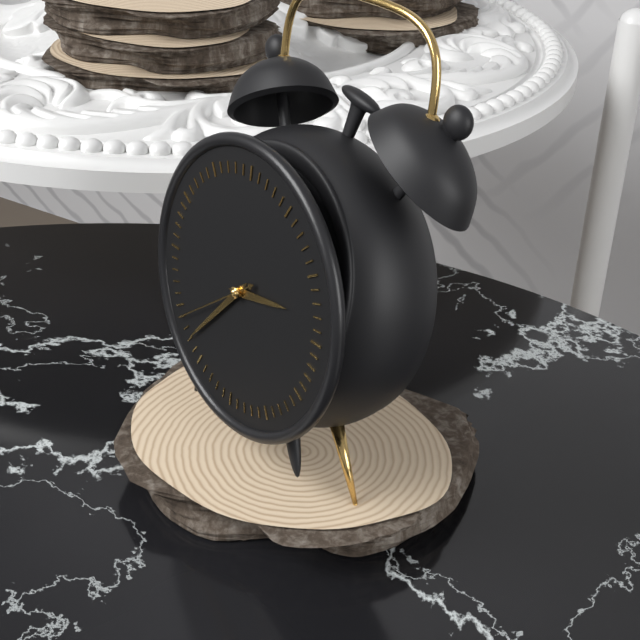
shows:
2,37,39
